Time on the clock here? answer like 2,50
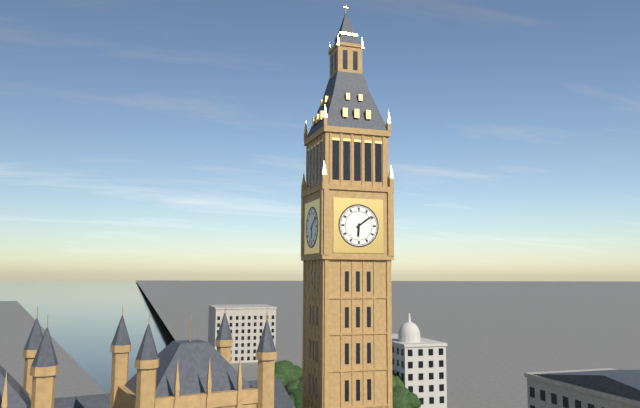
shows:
6,09
